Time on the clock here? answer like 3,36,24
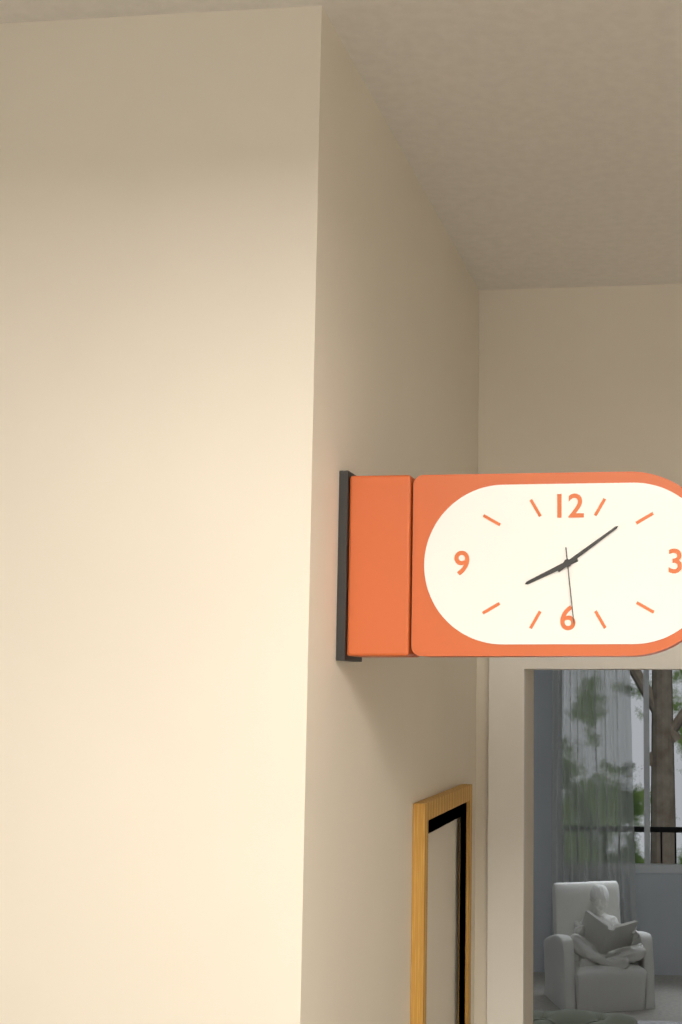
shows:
8,09,29
